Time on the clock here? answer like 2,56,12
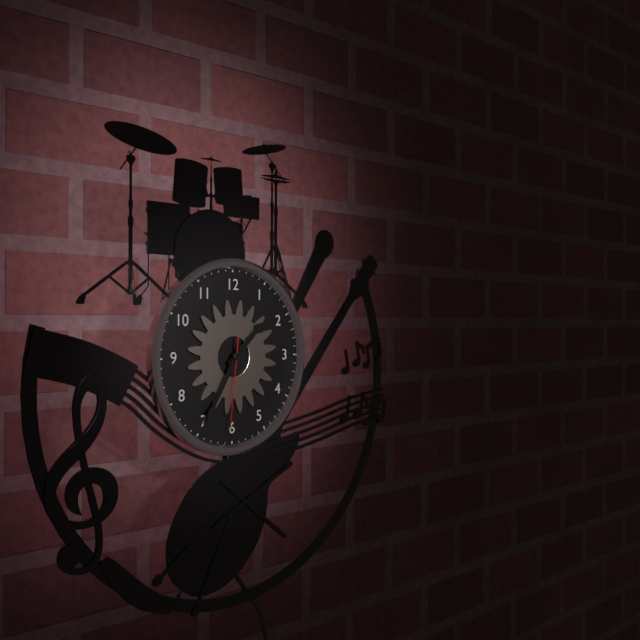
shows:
1,35,31
